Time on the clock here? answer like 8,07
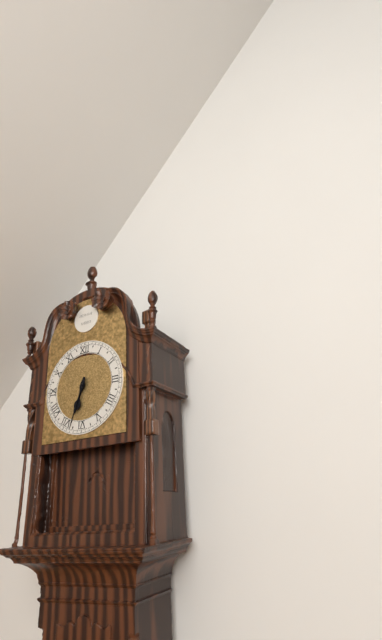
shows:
6,33
